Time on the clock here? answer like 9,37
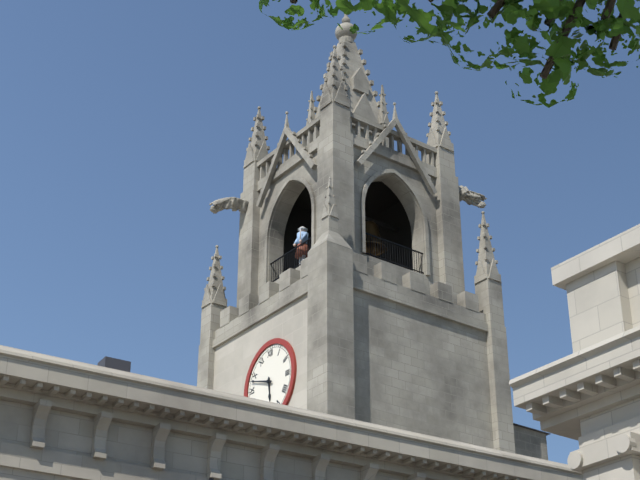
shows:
5,48
